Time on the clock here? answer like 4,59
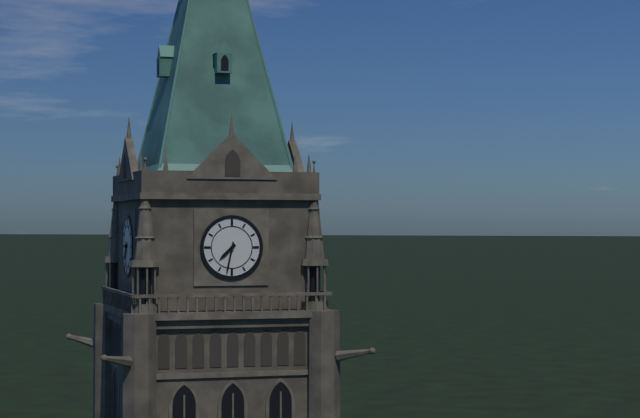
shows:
7,32
